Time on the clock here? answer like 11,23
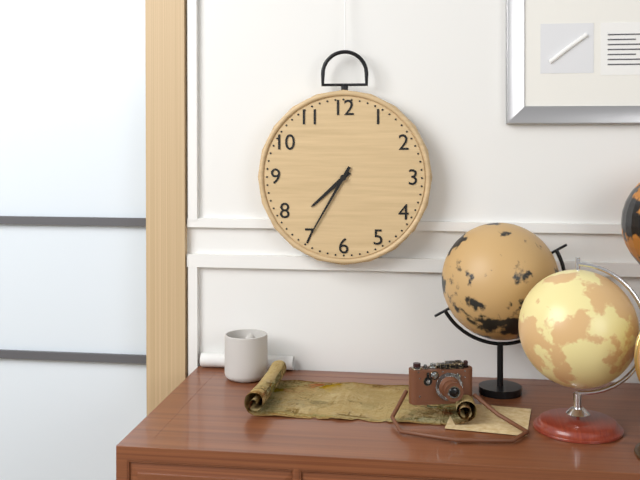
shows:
7,35
